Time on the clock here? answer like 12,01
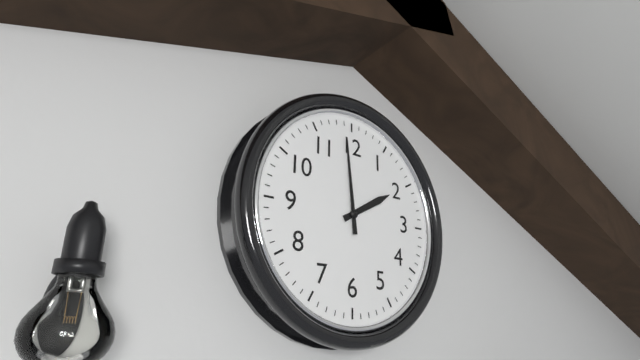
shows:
1,59
